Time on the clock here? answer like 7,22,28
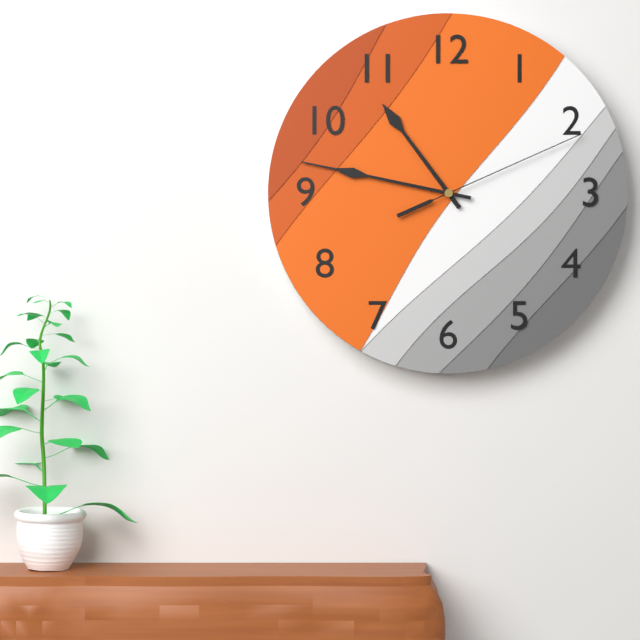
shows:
10,47,11
